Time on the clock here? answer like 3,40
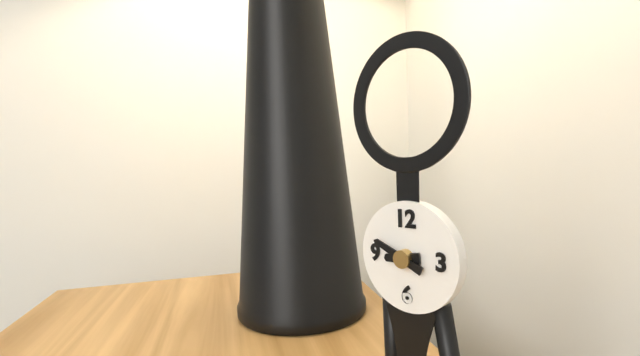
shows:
8,49
